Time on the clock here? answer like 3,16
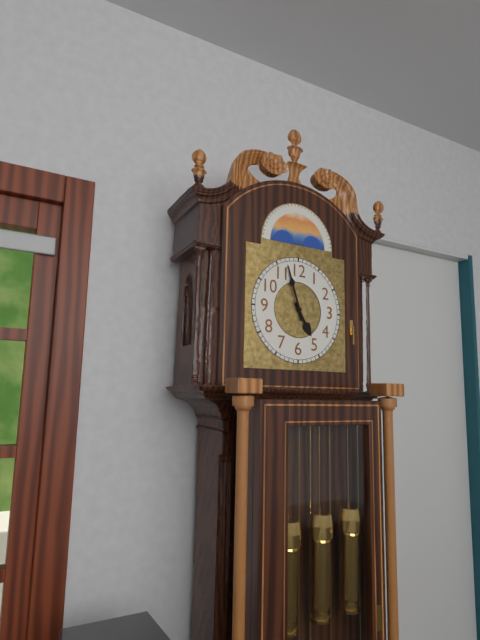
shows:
4,57
